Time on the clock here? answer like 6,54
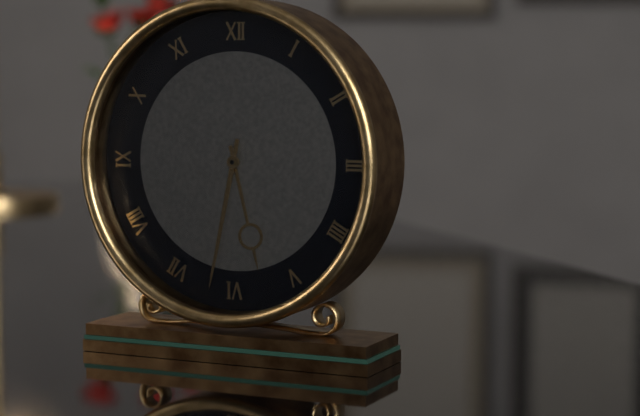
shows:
5,32
